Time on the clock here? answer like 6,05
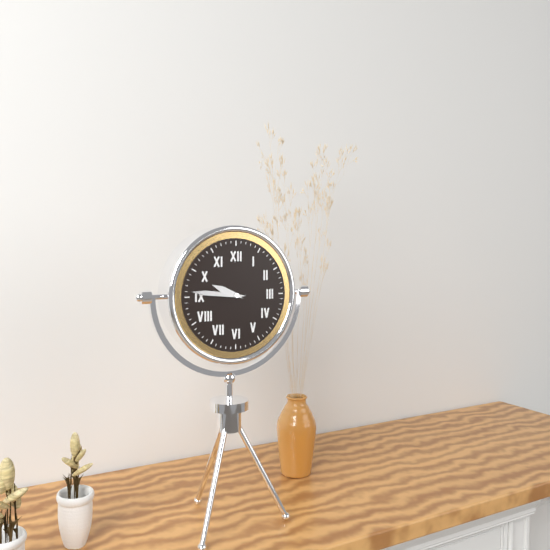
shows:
9,46
